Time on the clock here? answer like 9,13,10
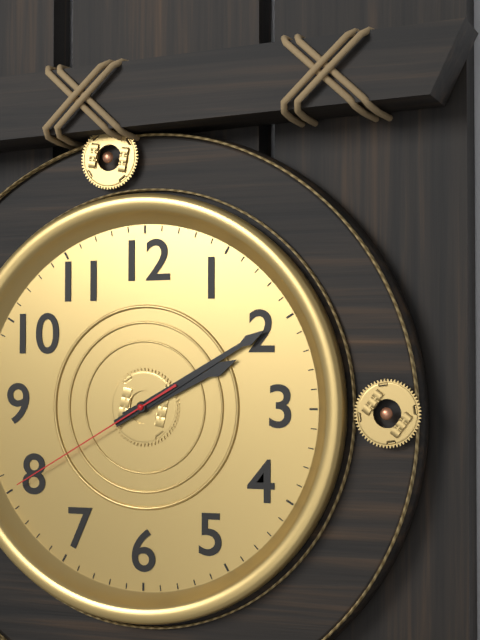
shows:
2,10,40
